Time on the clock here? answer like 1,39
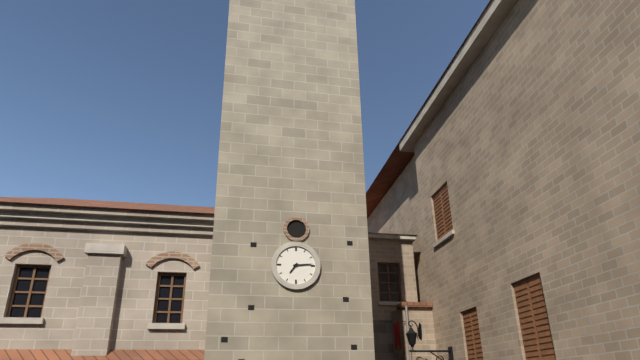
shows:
7,14
